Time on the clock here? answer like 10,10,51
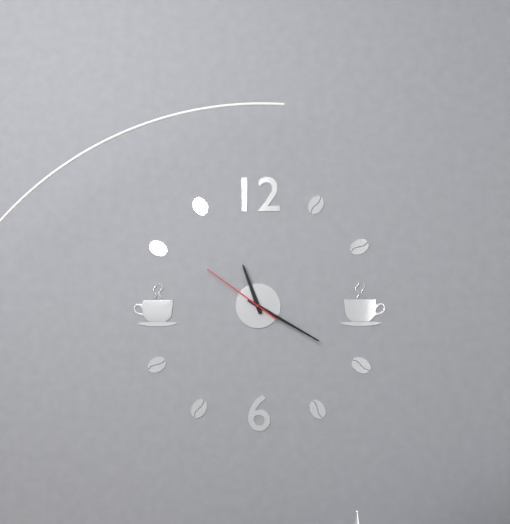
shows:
11,20,51
